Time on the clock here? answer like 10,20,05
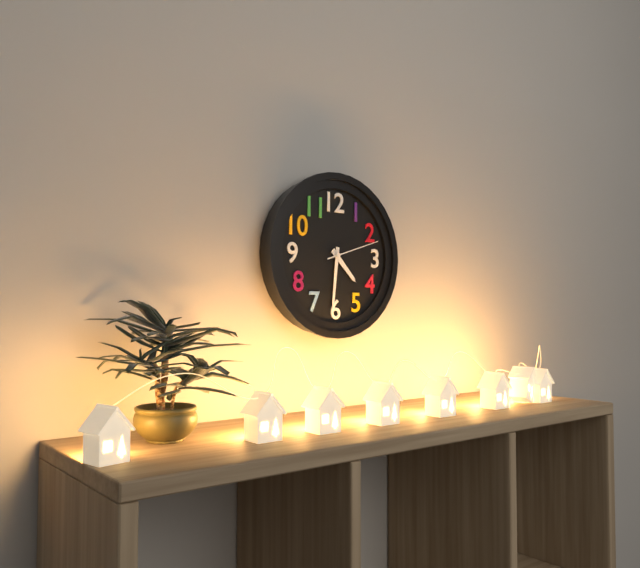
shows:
4,31,12
